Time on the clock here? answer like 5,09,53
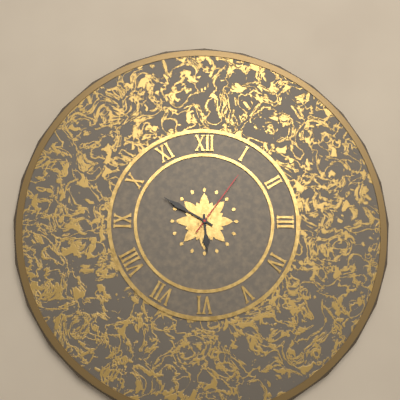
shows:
5,50,06
